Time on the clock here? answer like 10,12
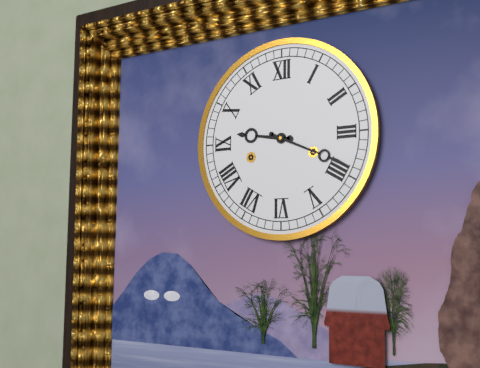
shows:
9,19
